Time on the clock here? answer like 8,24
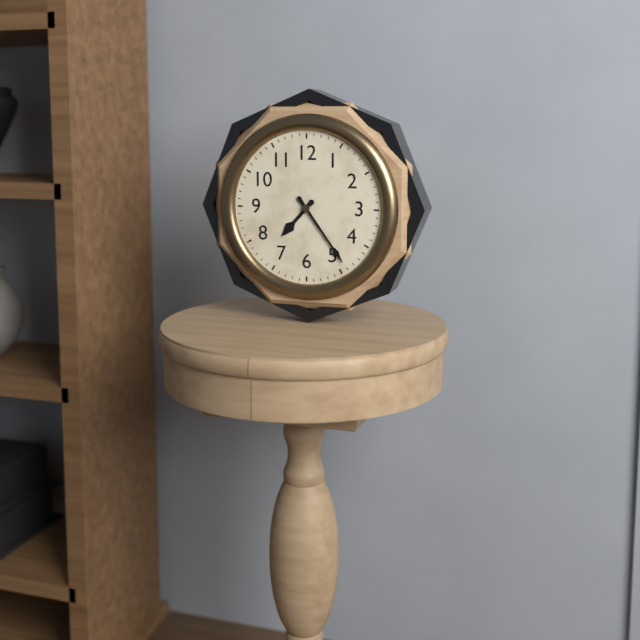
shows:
7,24
